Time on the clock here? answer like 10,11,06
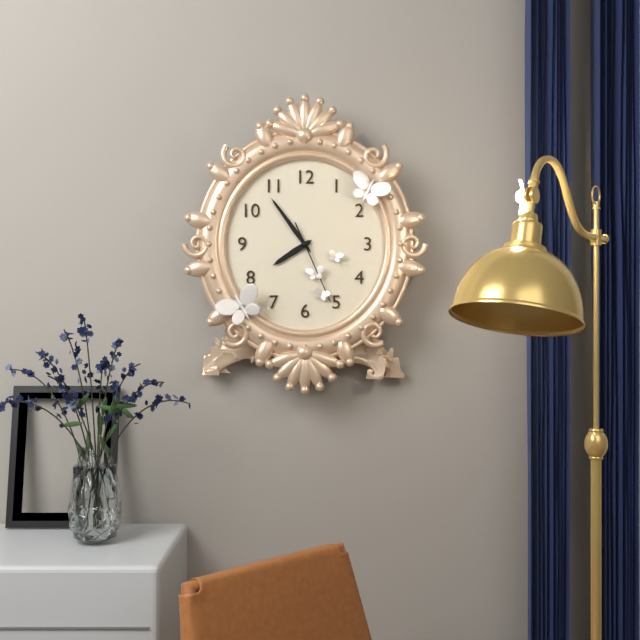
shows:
7,54,26
